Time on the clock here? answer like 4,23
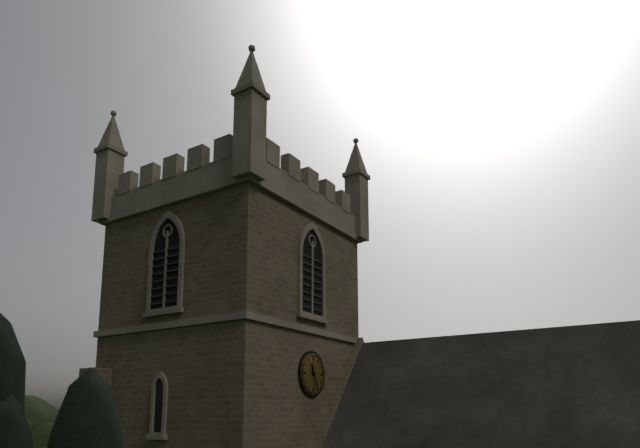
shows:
11,26
